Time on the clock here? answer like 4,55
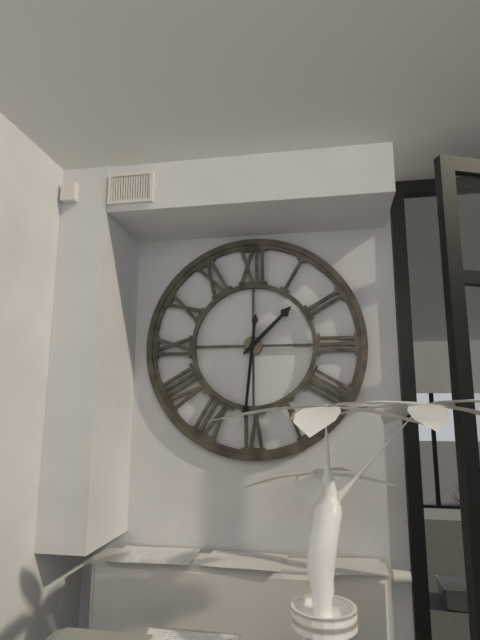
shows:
1,31
